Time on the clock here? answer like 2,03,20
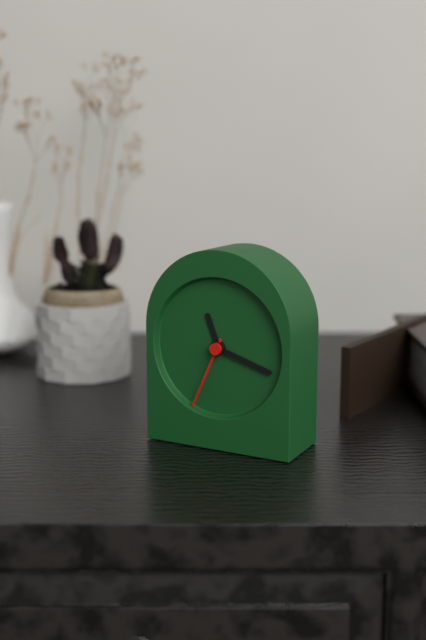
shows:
11,18,34
